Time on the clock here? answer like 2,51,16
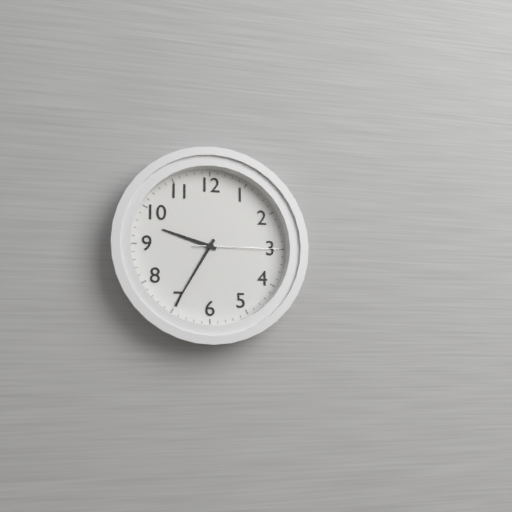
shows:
9,35,15
